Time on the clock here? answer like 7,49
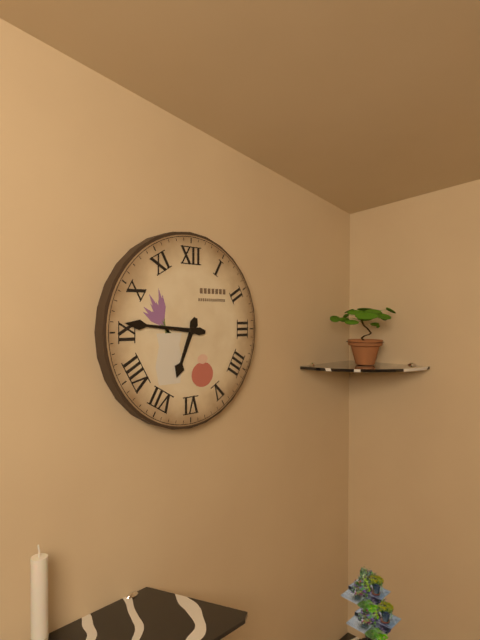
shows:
6,46
